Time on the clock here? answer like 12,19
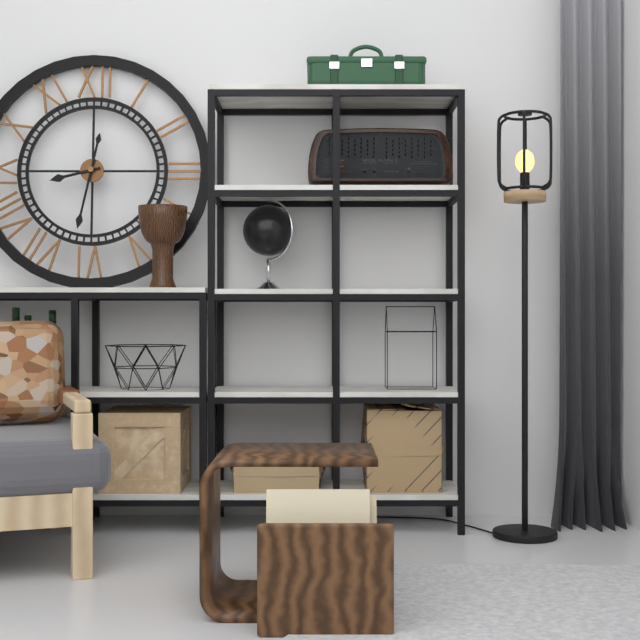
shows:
8,32
